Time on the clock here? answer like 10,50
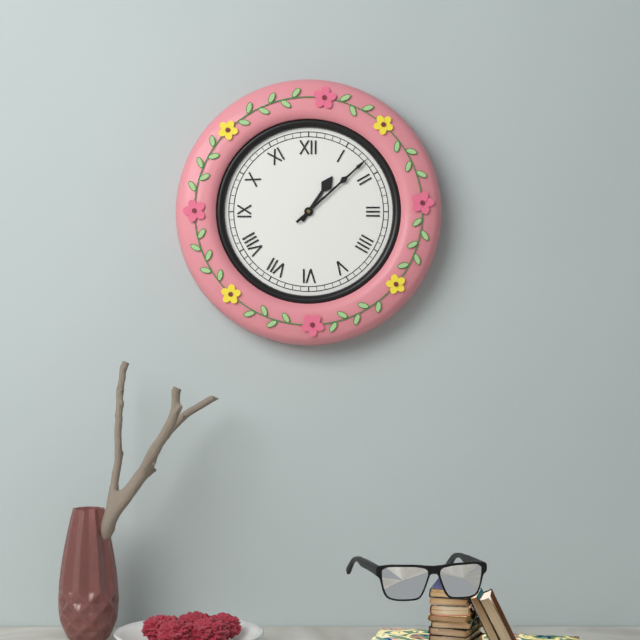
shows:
1,08
